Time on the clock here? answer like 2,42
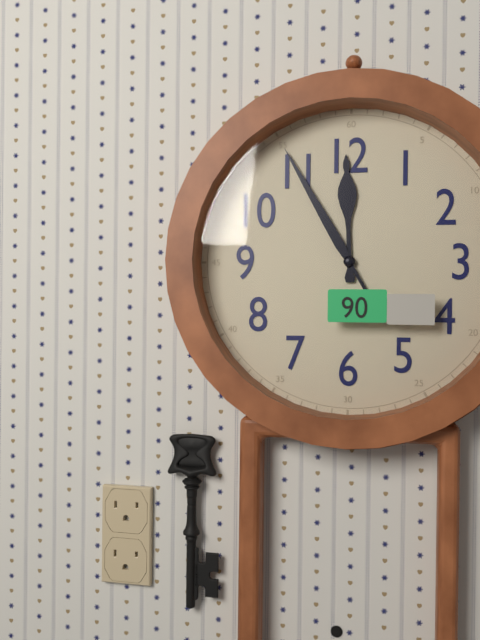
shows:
11,55
